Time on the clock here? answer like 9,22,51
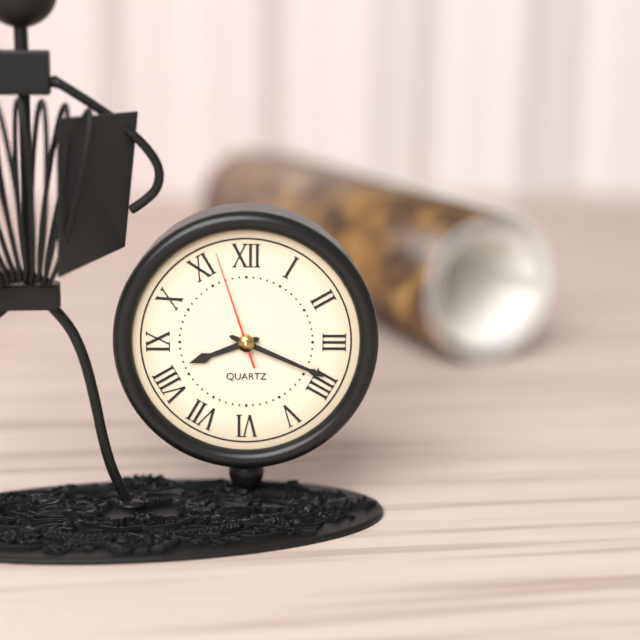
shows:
8,19,57
